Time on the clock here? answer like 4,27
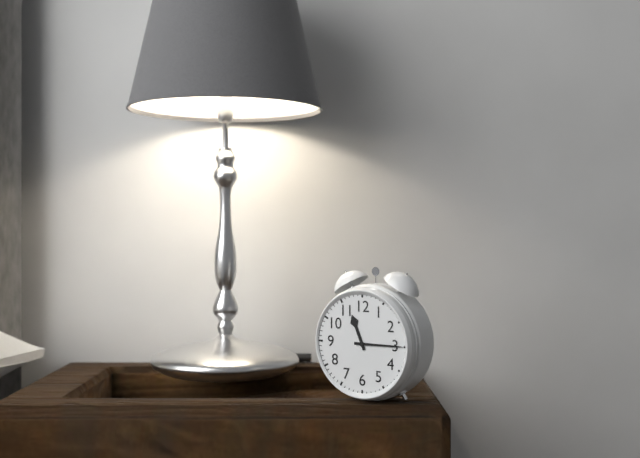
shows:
11,15
